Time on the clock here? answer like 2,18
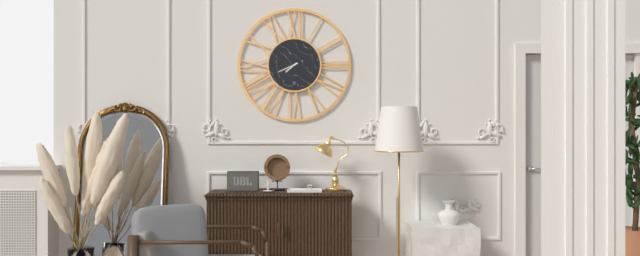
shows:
7,41
